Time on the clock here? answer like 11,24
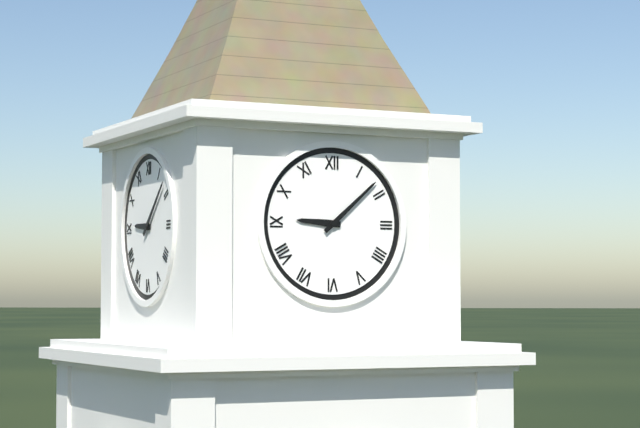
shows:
9,08
